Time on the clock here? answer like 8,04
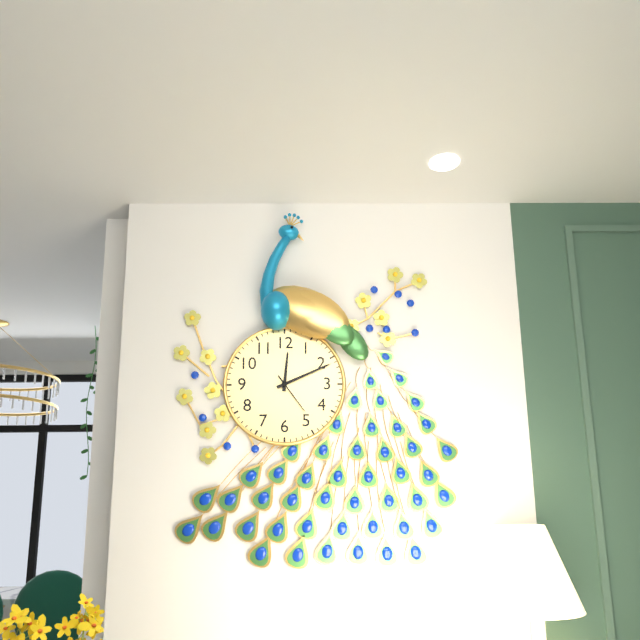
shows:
12,11
